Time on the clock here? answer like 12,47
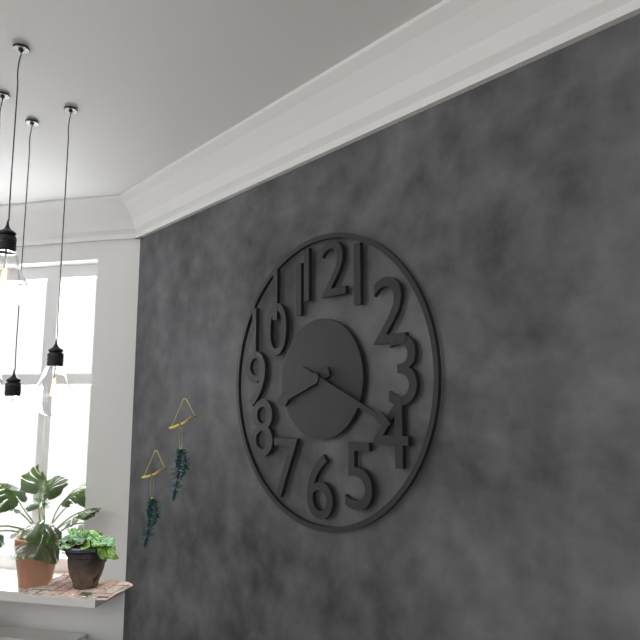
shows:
8,19
